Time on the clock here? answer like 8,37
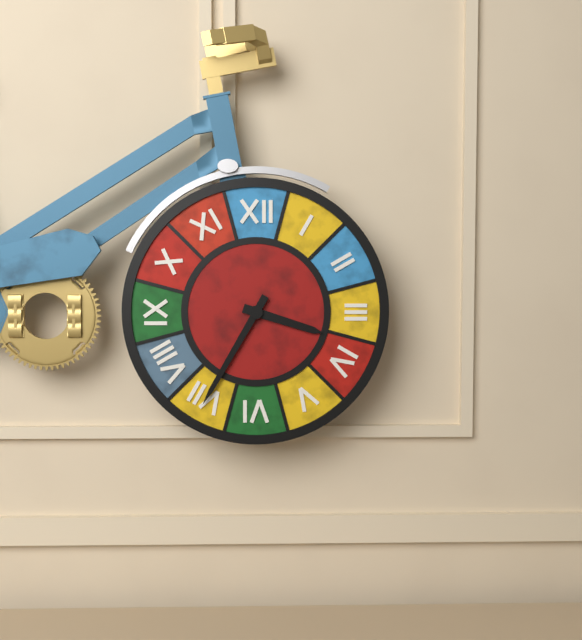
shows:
3,35
